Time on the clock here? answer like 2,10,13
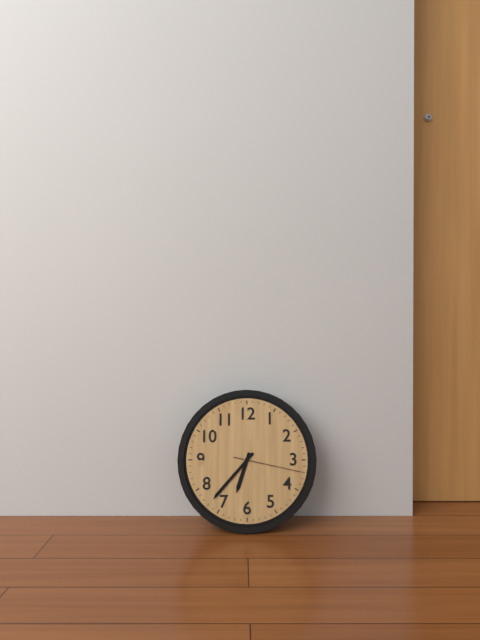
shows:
6,37,17
